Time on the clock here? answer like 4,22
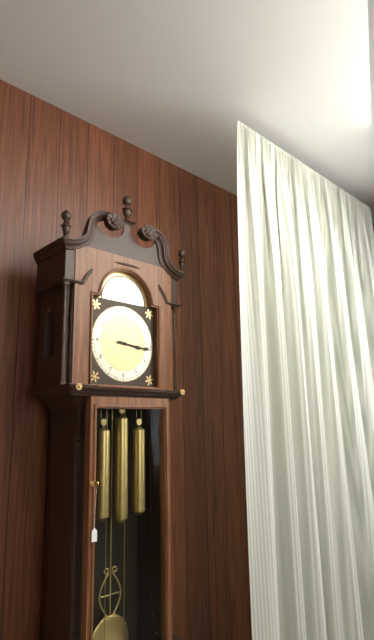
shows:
3,16
